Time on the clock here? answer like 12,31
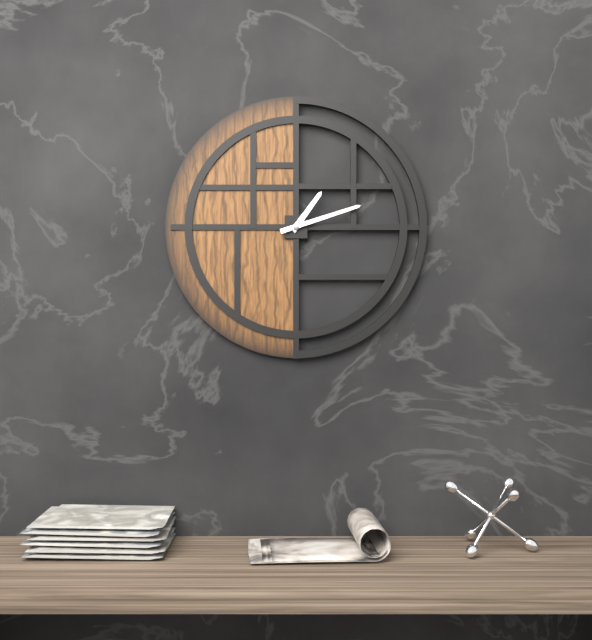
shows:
1,12
